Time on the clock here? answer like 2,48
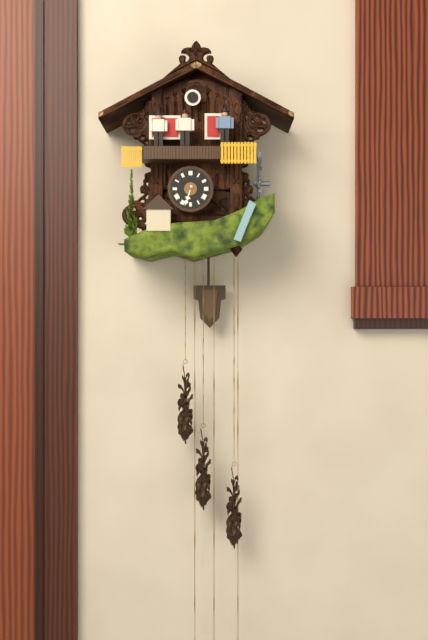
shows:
6,33
